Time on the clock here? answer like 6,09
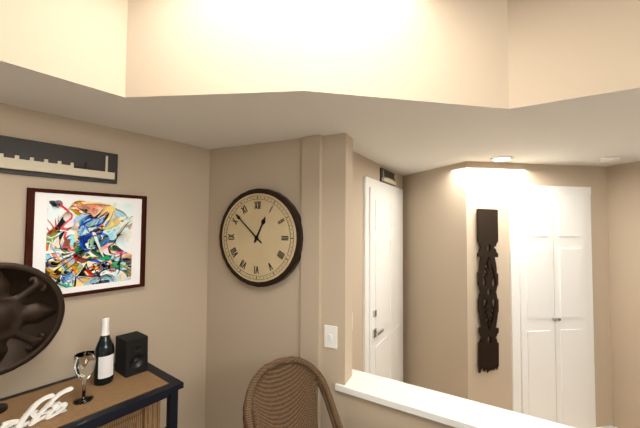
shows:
12,52
